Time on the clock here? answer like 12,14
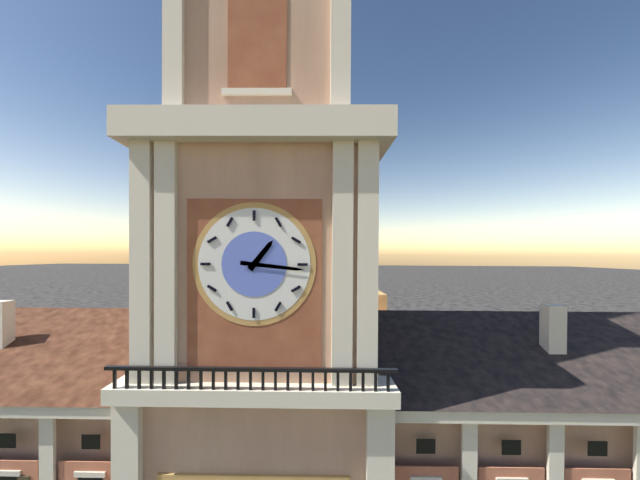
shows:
1,16
